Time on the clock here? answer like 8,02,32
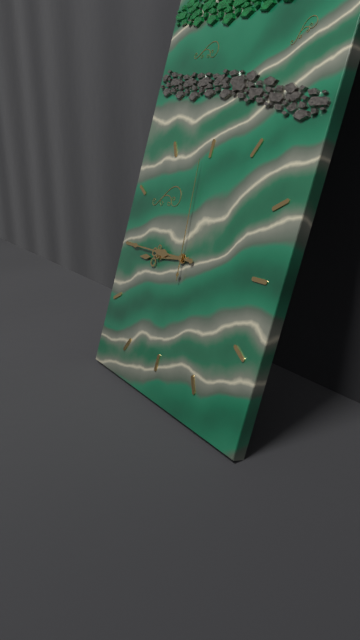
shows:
8,45,59
